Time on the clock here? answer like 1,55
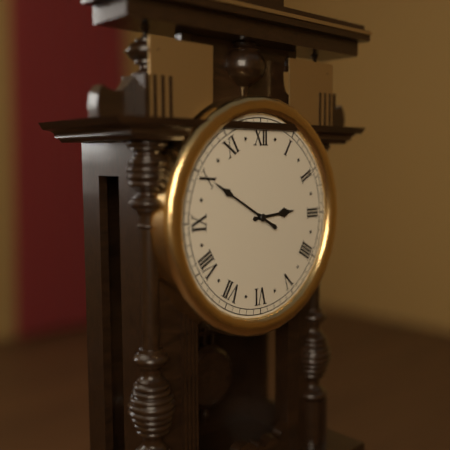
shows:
2,50
